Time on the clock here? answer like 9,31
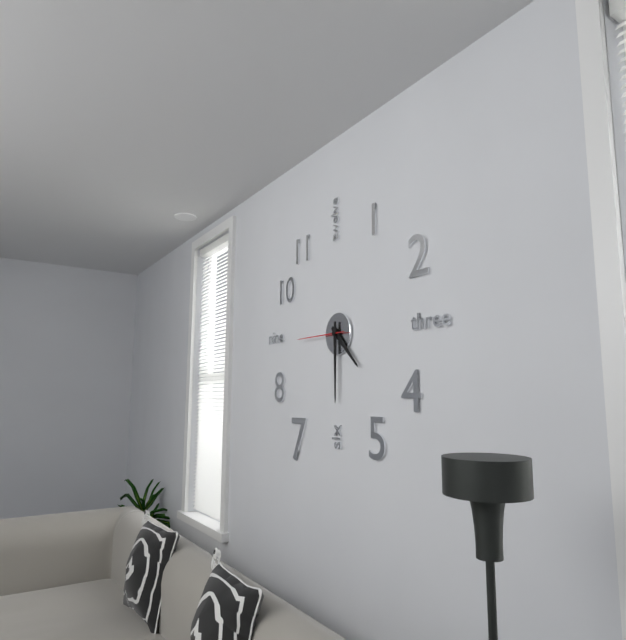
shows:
4,30
